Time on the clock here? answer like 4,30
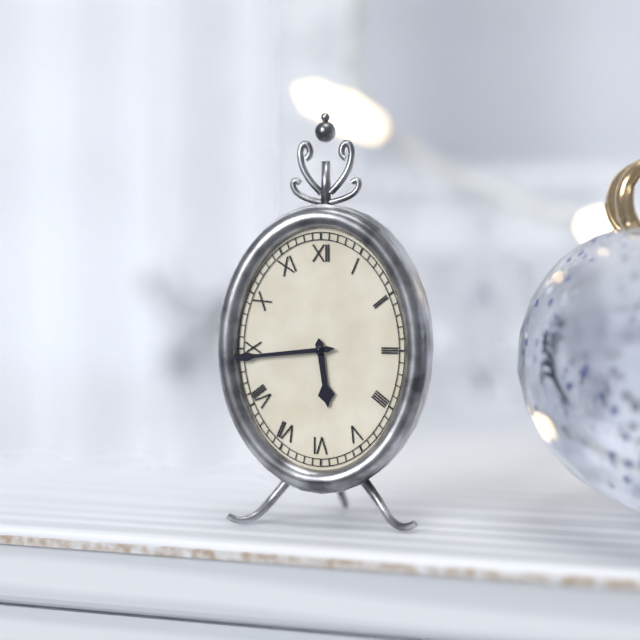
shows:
5,44
